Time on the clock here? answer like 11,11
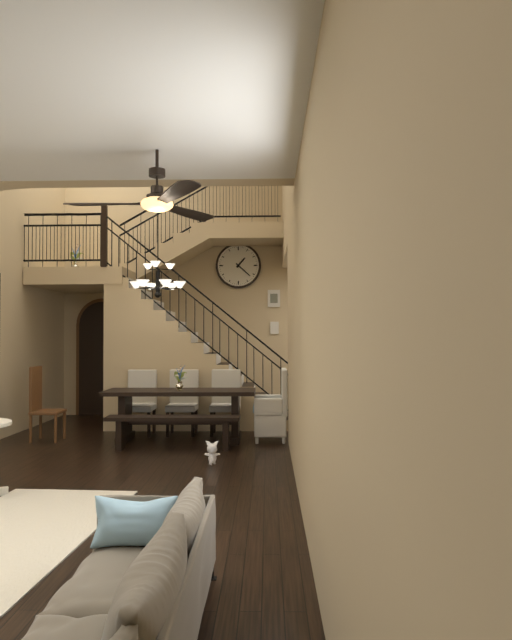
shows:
1,22
